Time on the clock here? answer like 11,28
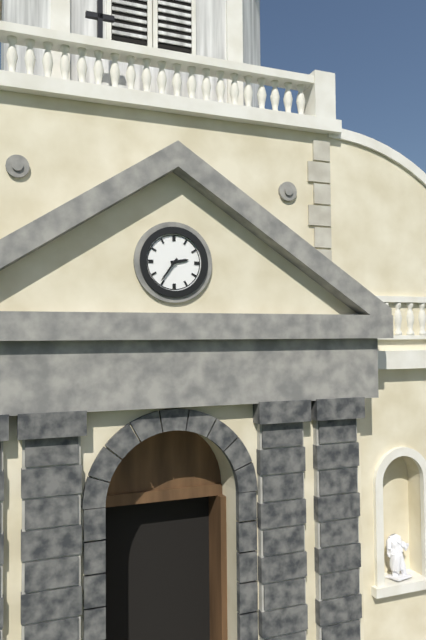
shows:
2,36
